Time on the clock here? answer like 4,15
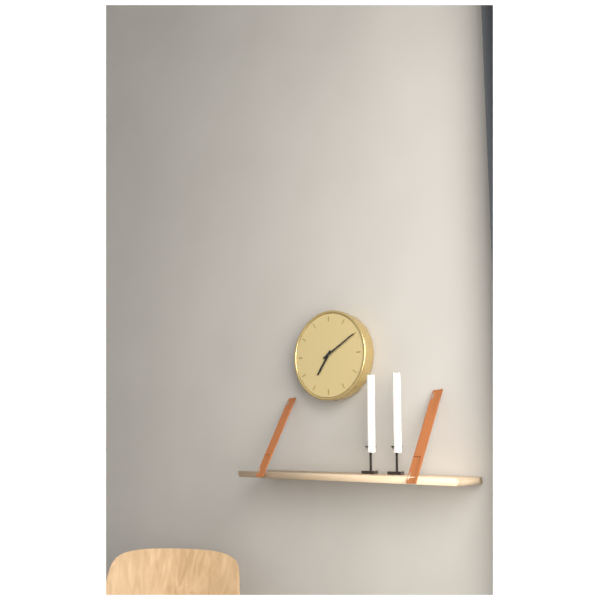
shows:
7,10
